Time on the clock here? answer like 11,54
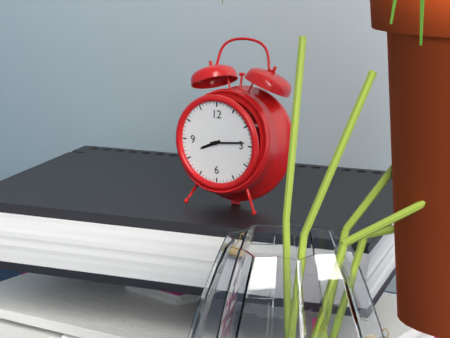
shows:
8,14
